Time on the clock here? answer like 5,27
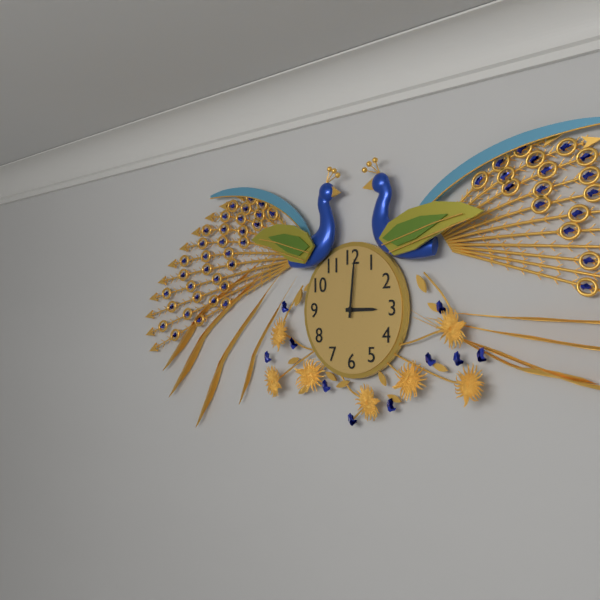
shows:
3,01
